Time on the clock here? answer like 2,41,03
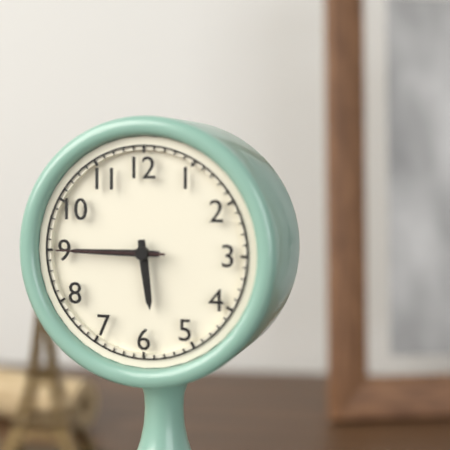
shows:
5,45,45
